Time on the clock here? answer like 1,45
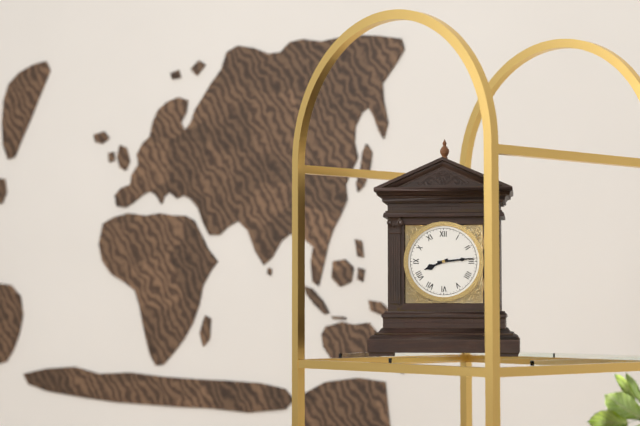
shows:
8,14
